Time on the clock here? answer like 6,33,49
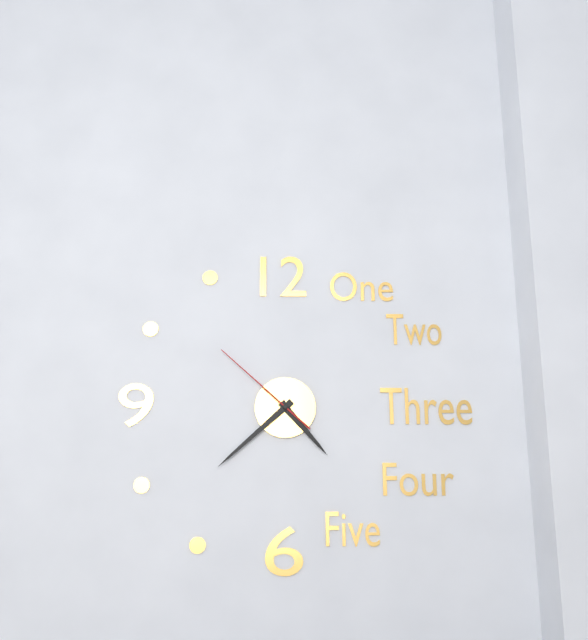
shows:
4,38,52
